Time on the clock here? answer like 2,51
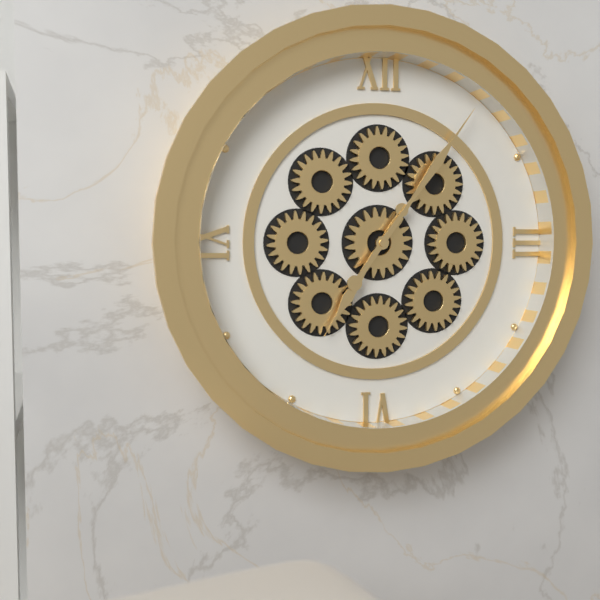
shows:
7,06
